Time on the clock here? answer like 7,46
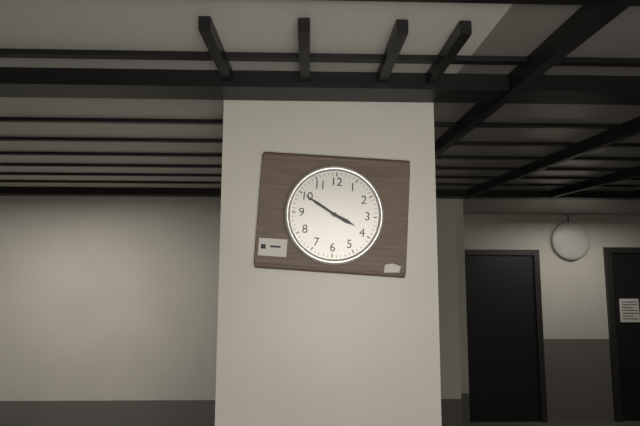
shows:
3,50
